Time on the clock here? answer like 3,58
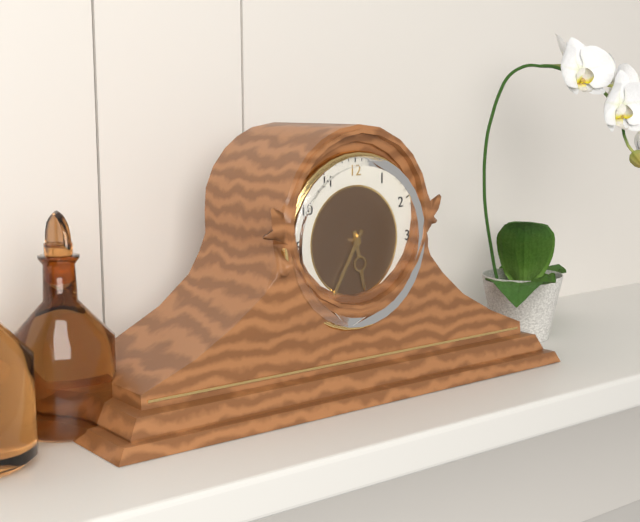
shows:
5,35
